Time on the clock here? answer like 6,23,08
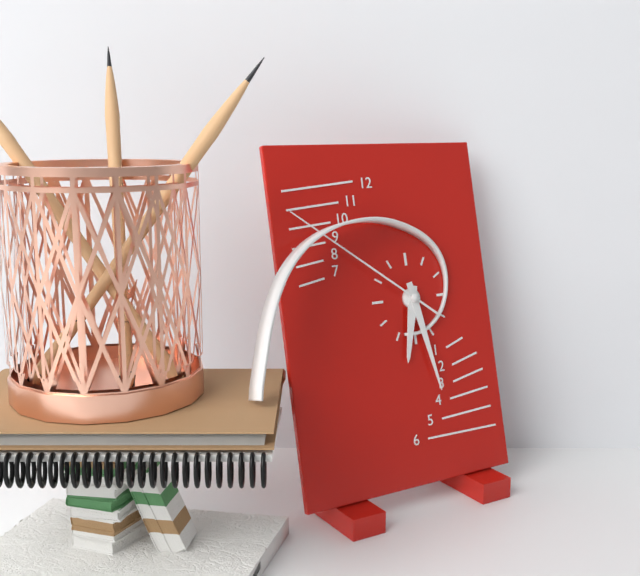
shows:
6,28,51
